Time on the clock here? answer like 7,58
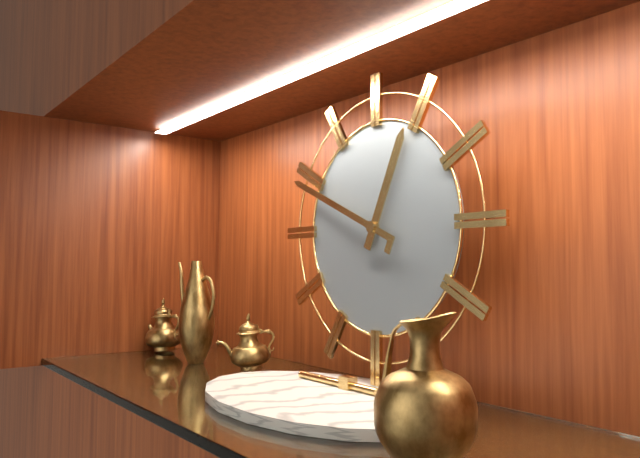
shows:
12,49
